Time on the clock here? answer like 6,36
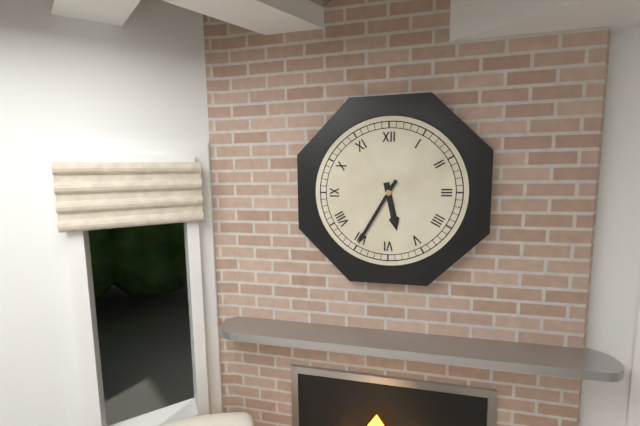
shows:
5,35
